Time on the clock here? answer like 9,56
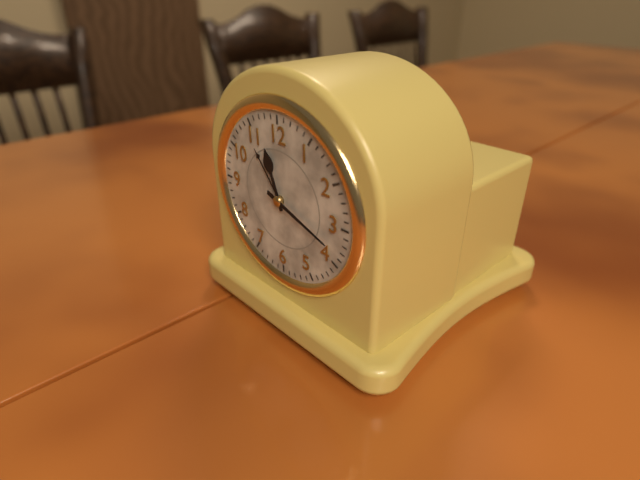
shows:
11,18
